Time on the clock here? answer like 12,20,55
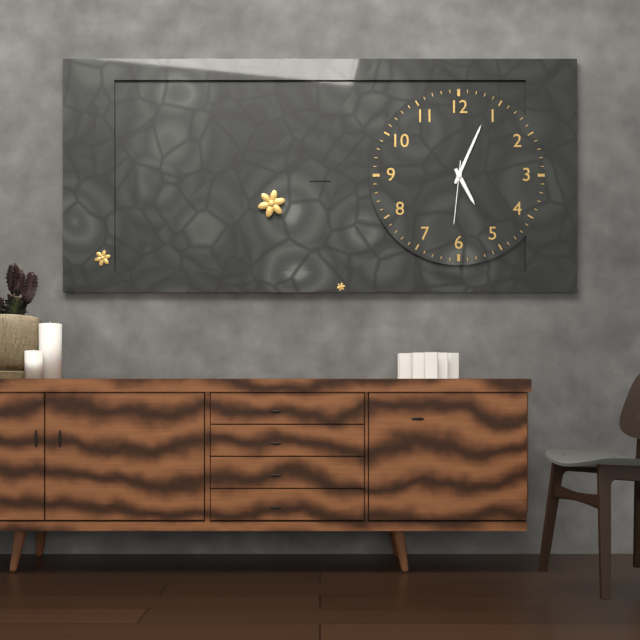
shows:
5,04,31
